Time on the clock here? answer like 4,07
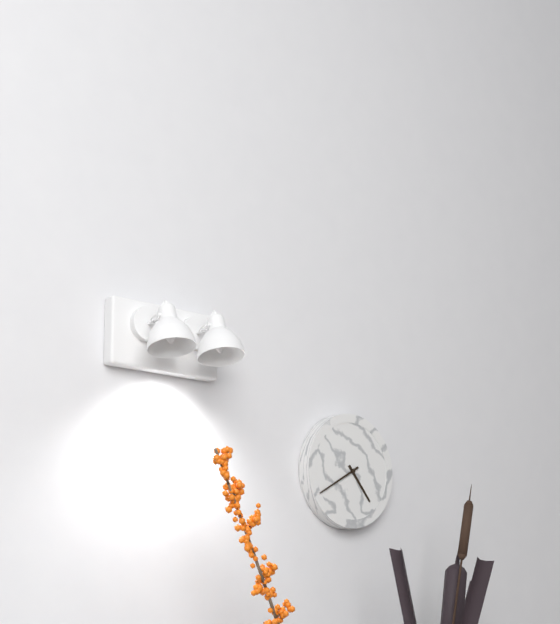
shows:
4,40
